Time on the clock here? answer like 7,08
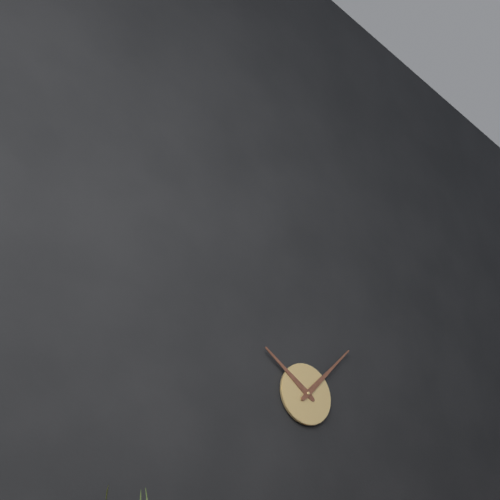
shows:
10,07
